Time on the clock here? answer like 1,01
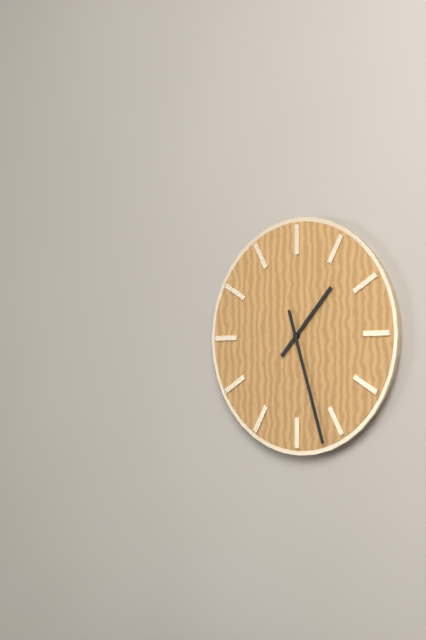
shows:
1,27
